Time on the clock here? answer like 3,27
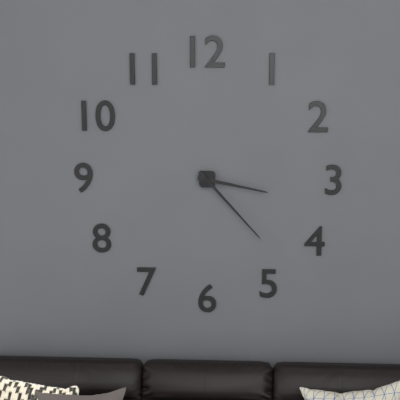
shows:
3,23
